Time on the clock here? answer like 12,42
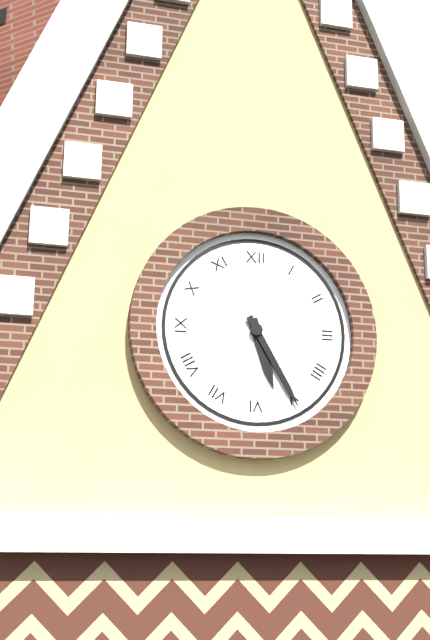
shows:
5,25
